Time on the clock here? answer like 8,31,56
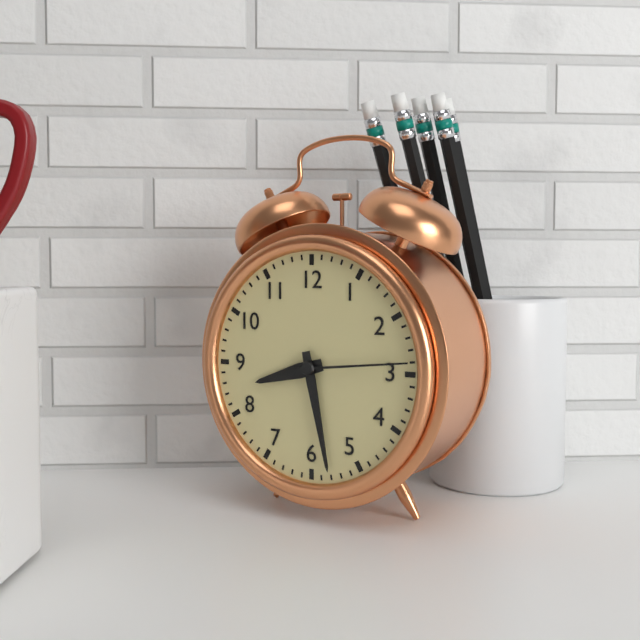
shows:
8,28,14
